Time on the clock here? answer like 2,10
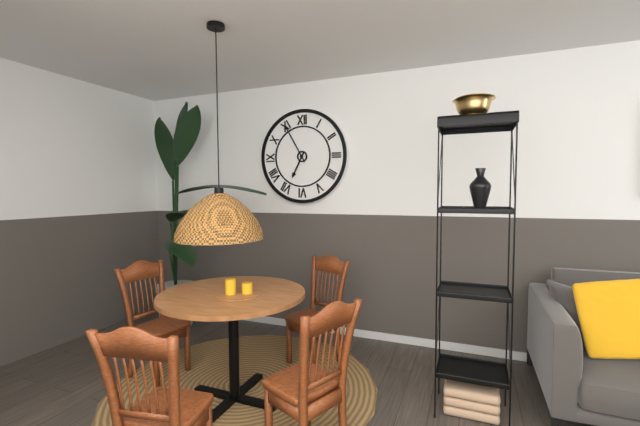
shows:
6,55
